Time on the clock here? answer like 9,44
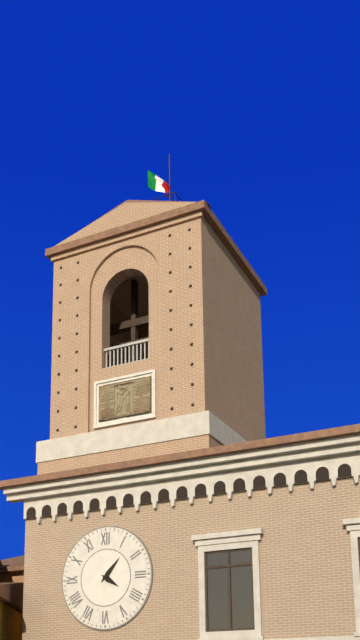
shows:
4,07
